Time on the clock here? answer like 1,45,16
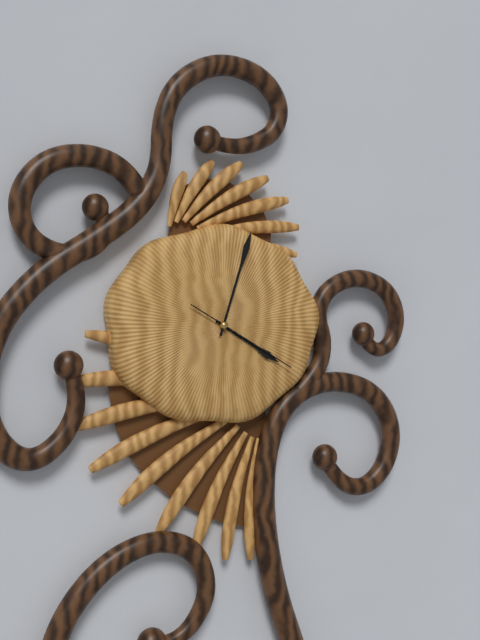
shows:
4,03,20
